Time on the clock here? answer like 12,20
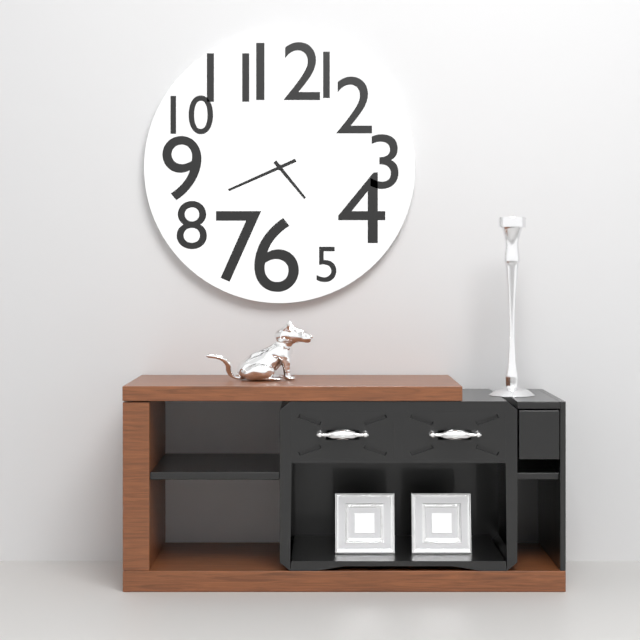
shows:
4,41
